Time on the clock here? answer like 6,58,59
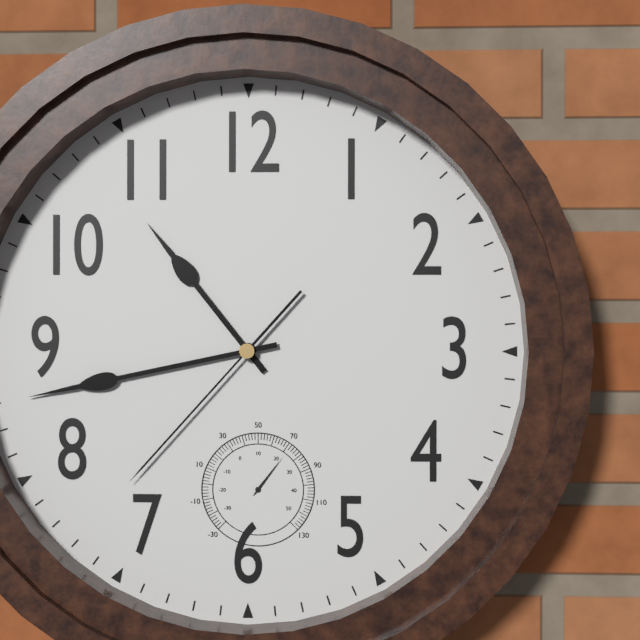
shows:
10,43,37
